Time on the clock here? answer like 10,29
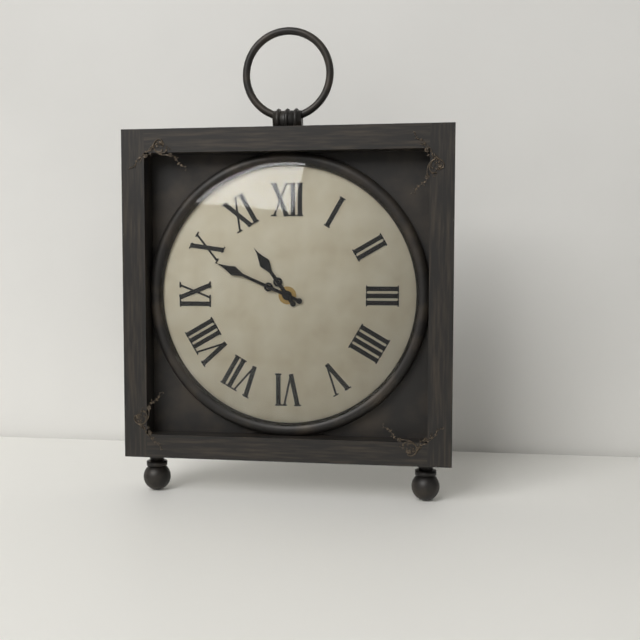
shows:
10,49
